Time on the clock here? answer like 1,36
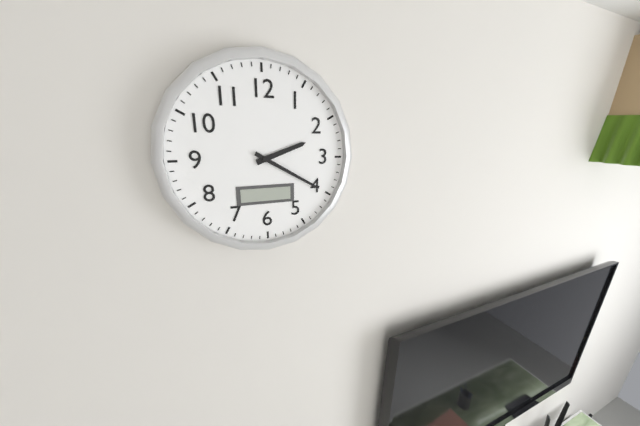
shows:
2,20
